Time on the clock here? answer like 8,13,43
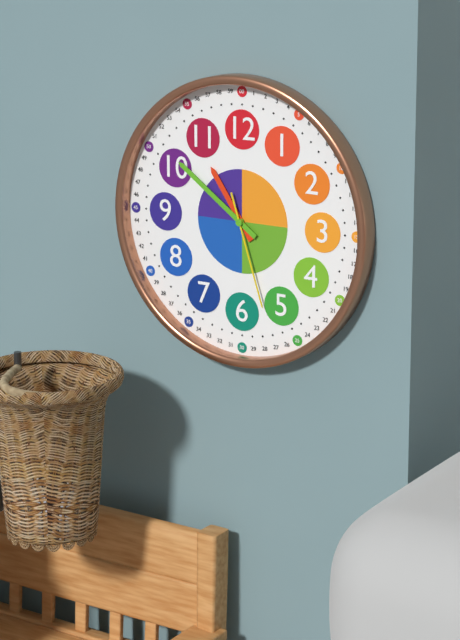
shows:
10,51,27
